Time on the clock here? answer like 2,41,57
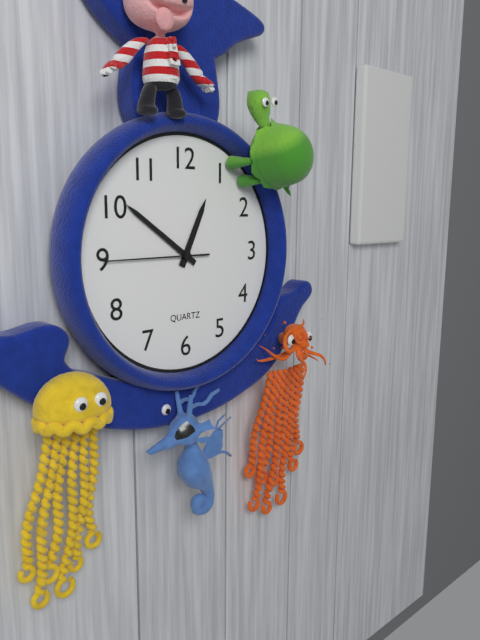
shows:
12,51,45
